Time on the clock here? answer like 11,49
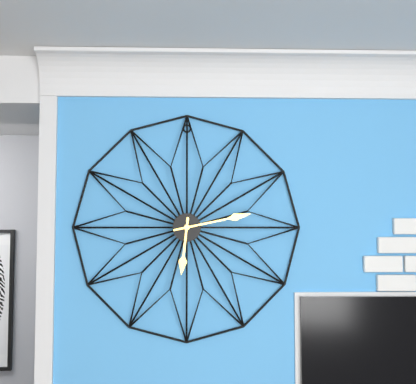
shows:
6,13
